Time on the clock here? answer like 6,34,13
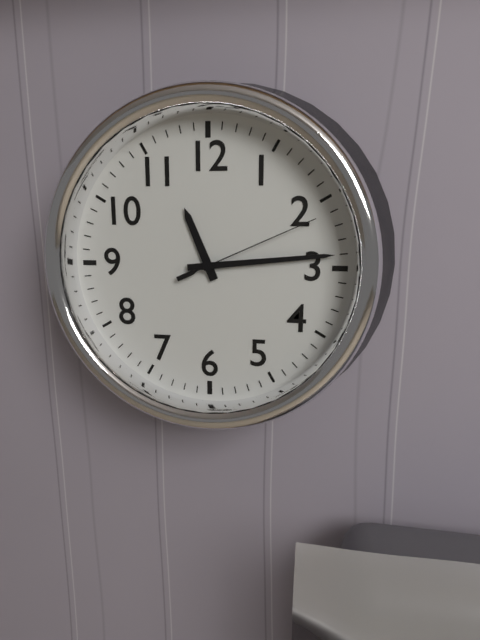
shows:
11,14,11
